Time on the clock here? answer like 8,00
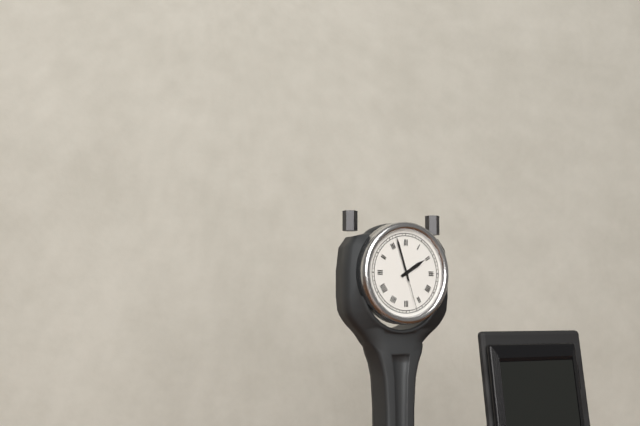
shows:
1,57
